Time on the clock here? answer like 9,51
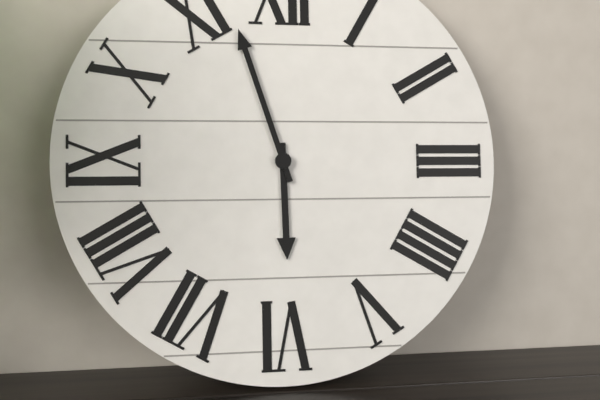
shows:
5,57
